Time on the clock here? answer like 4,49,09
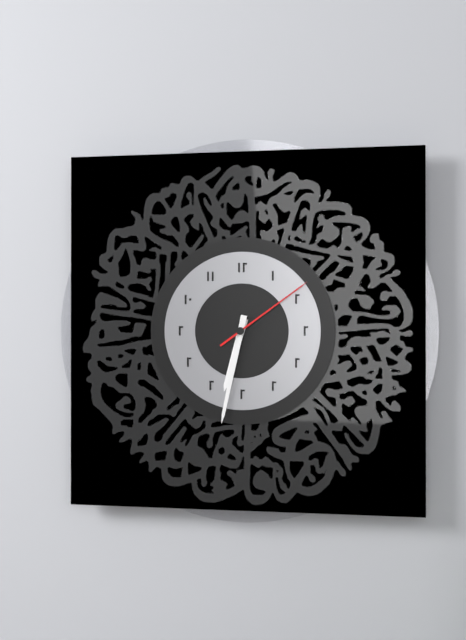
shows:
6,32,09
